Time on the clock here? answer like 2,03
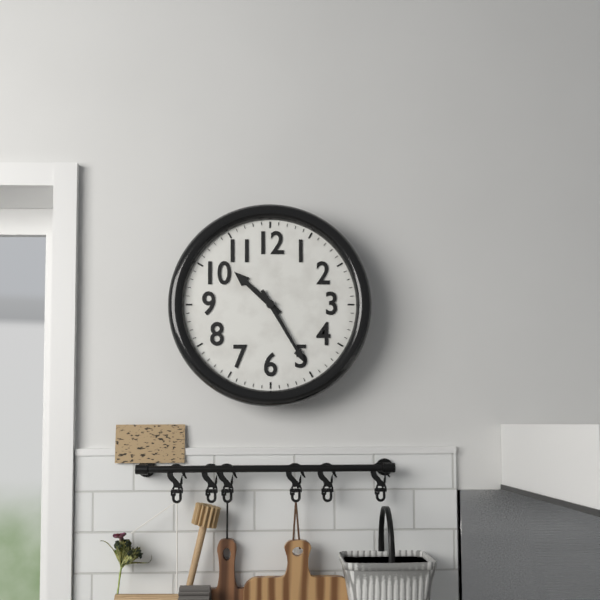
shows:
10,25
